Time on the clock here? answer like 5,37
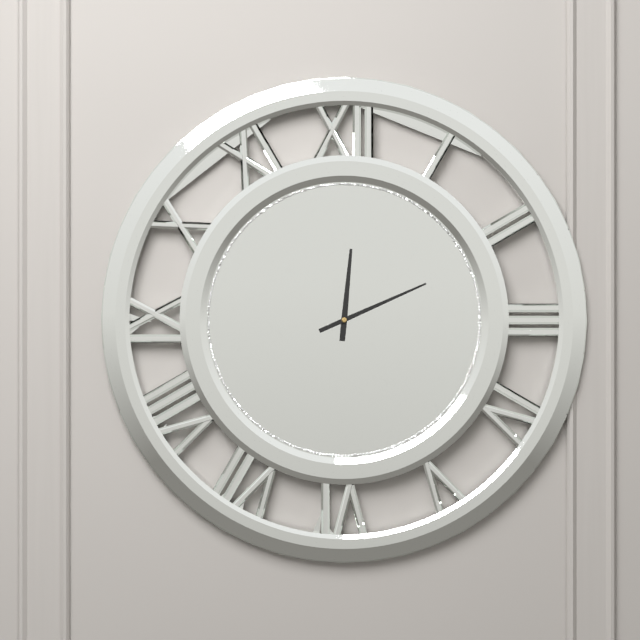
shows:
12,11
